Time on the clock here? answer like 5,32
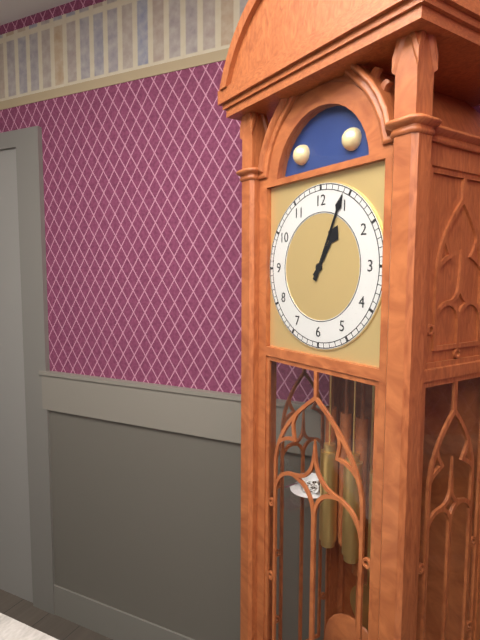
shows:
1,04
